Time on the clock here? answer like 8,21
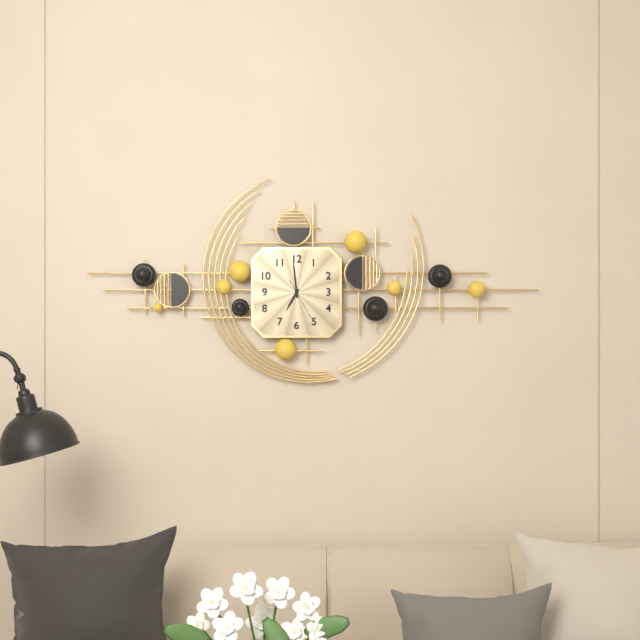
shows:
6,59
